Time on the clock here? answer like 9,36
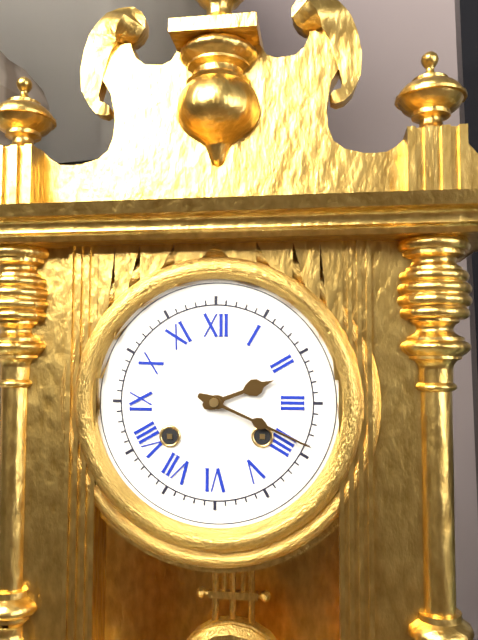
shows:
2,19
